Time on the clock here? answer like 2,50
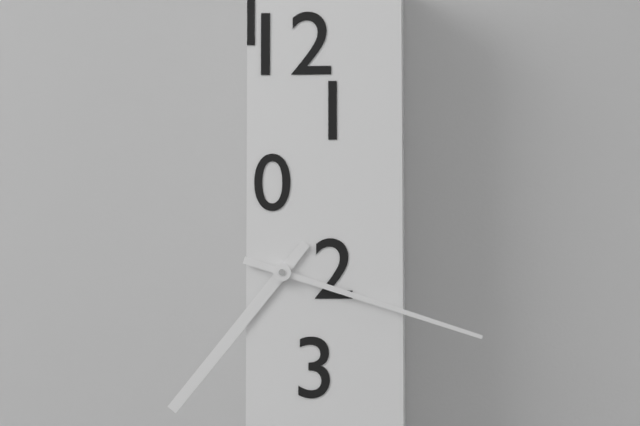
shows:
7,18
